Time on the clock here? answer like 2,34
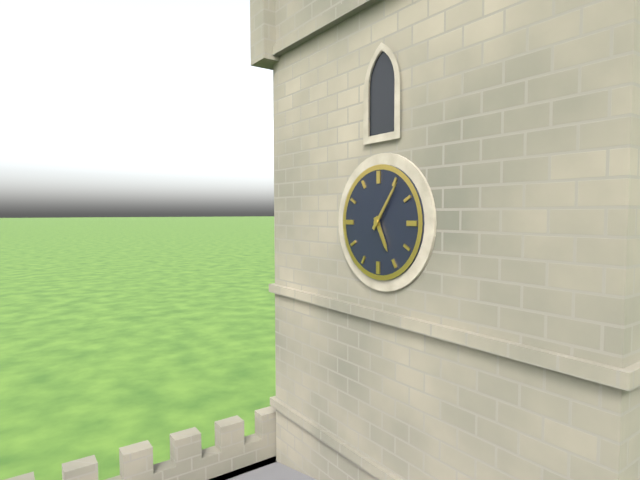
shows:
5,06
